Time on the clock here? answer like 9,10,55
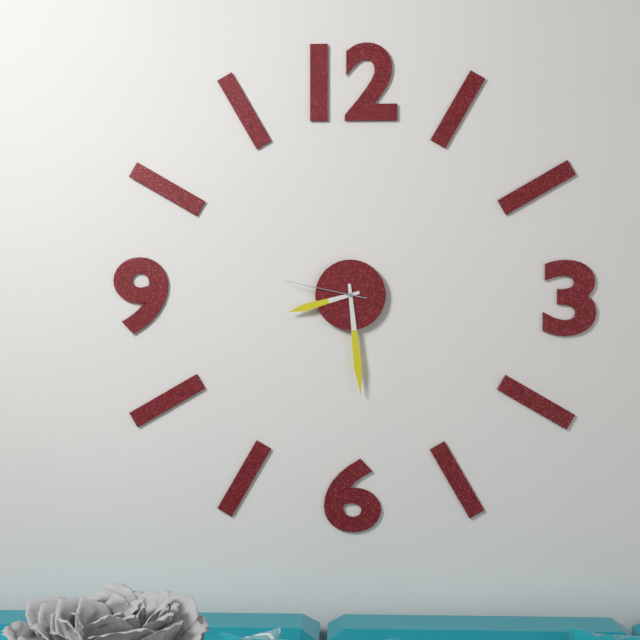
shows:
8,29,47
